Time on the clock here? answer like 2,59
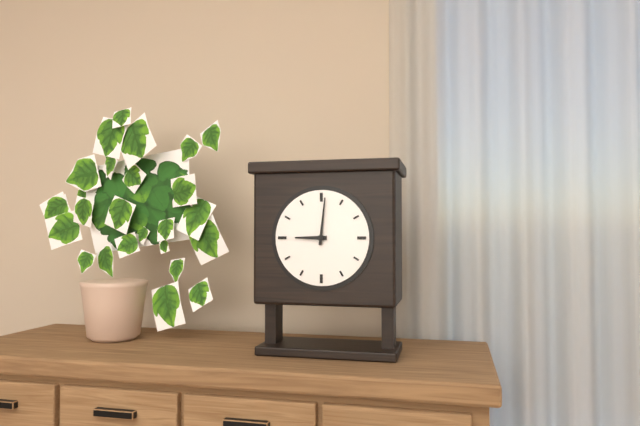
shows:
9,01
